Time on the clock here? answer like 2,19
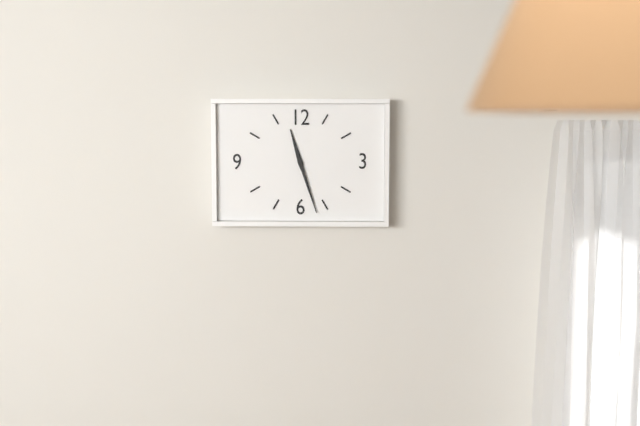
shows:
11,27
